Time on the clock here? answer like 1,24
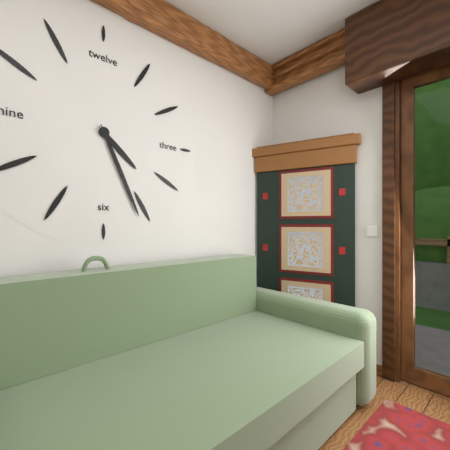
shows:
4,26
